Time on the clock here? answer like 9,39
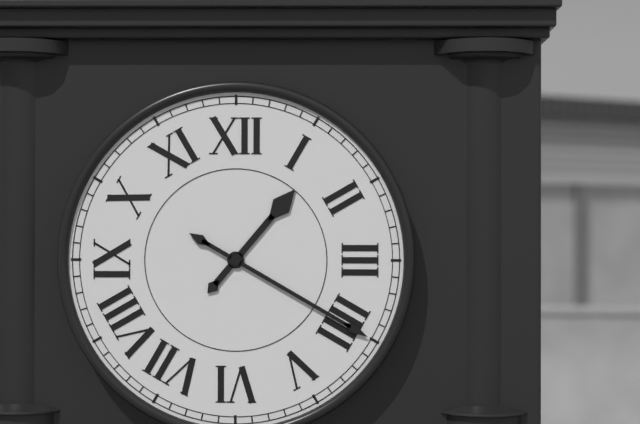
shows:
1,20
